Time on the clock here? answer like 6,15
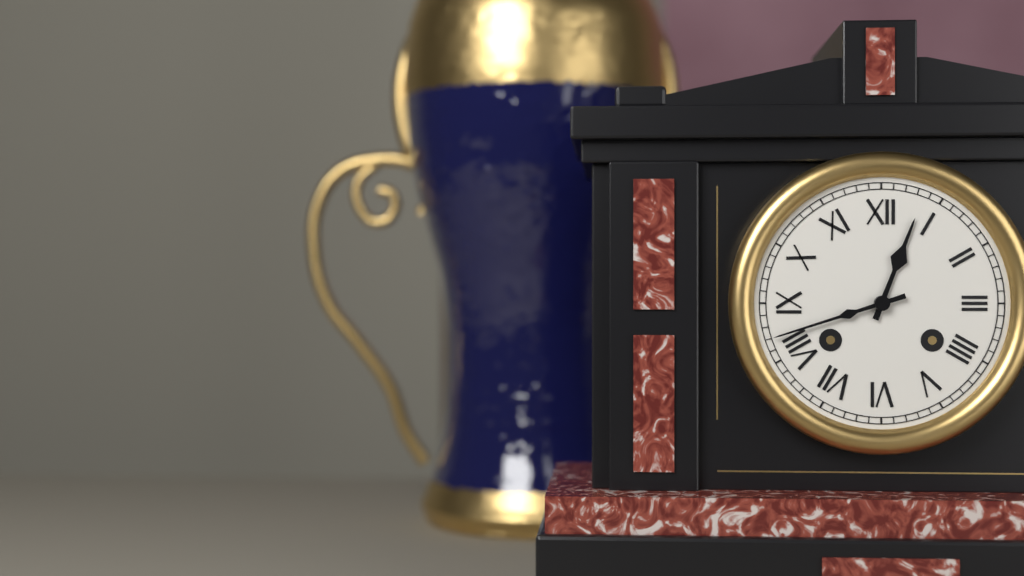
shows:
12,42
